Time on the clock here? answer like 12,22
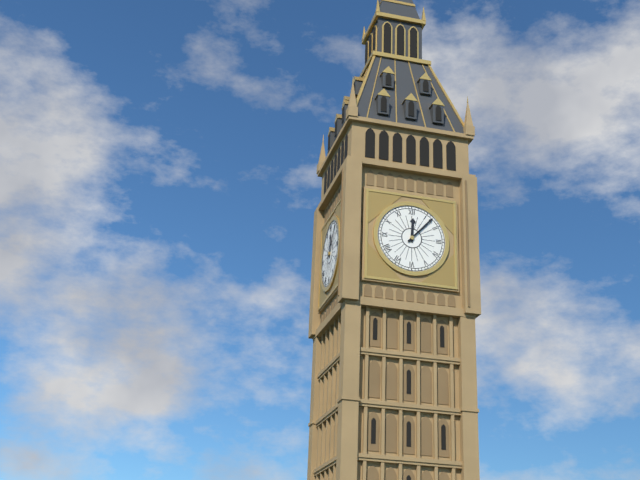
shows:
12,07
